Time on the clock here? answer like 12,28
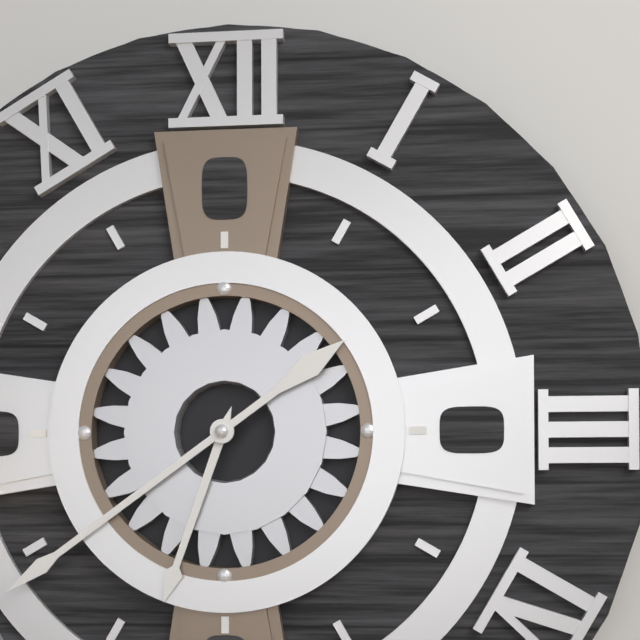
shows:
6,39
